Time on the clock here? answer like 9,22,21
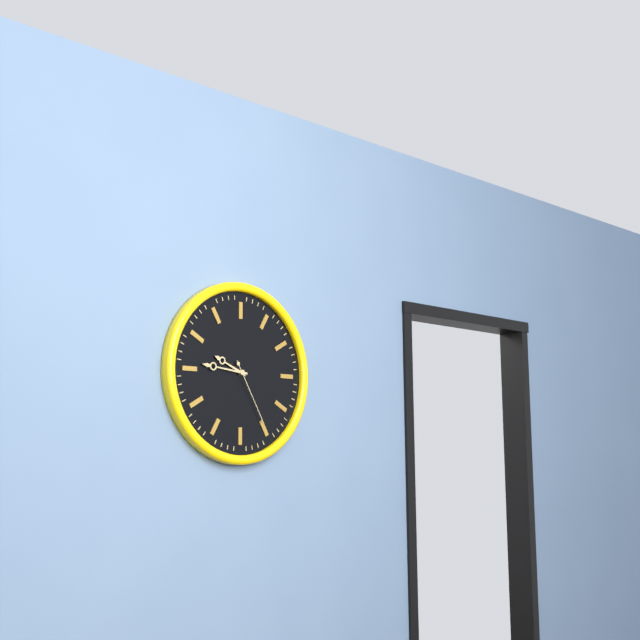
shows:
9,46,25
